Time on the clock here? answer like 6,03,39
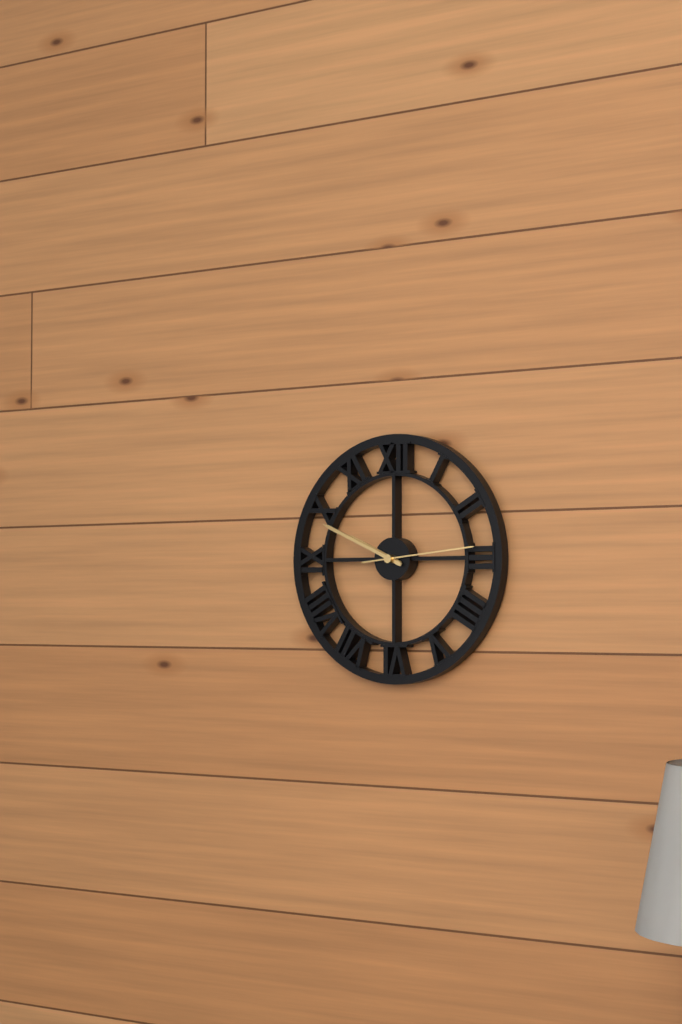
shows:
9,49,14
